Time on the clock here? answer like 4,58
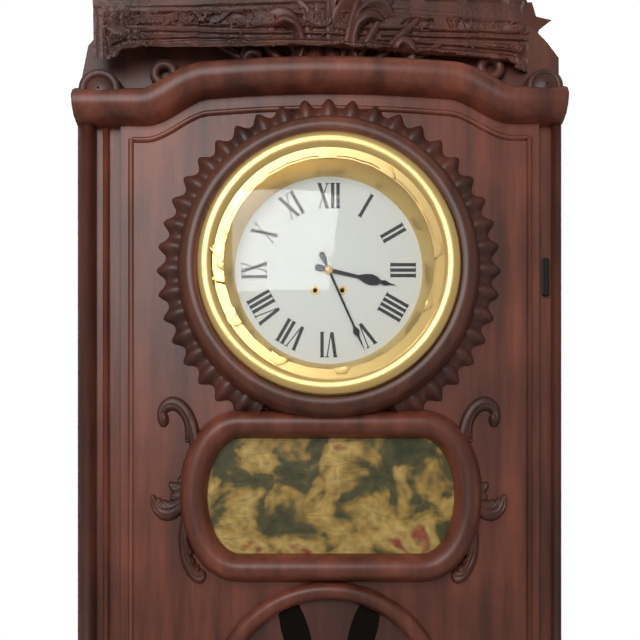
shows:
3,26
